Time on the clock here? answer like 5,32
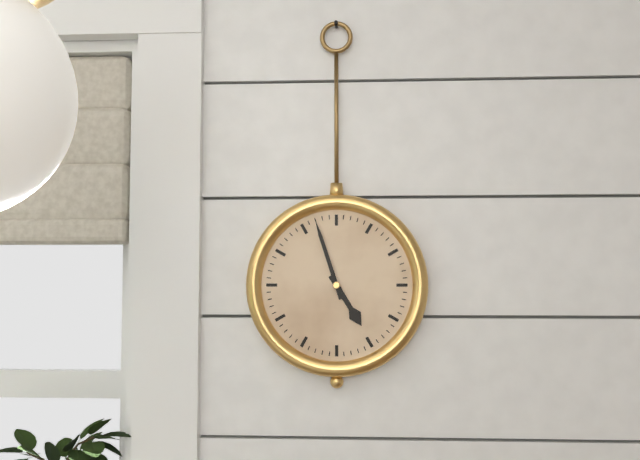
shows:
4,57
